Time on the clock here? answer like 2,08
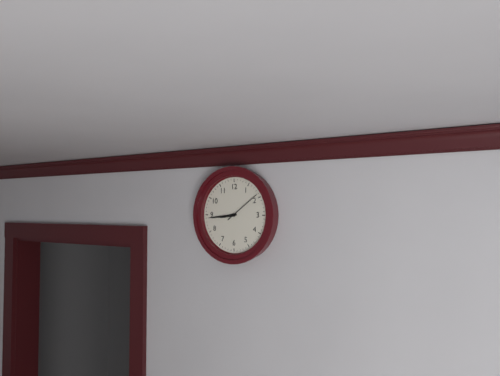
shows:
8,44
